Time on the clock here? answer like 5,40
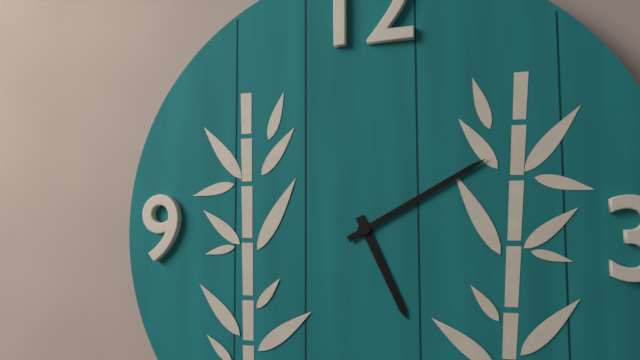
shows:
5,10
